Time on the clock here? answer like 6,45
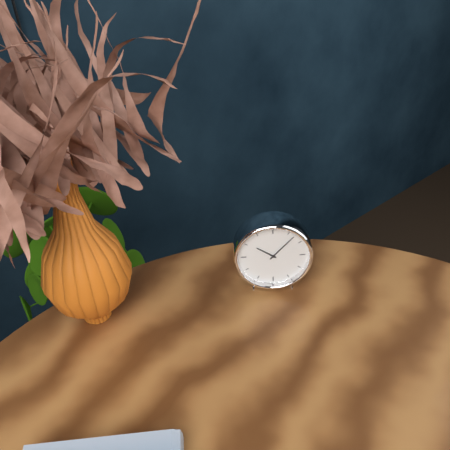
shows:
10,07
